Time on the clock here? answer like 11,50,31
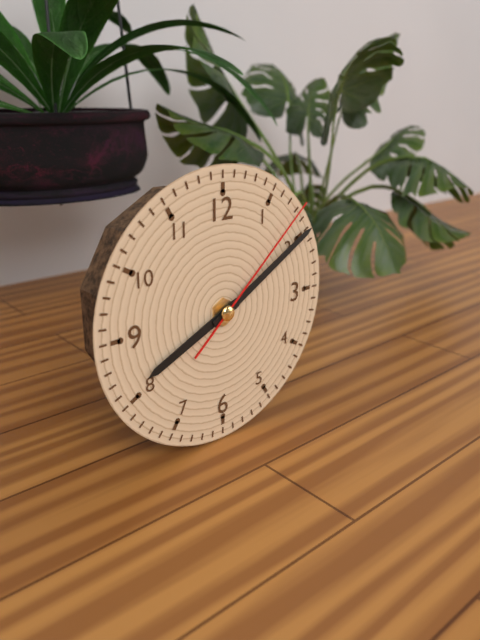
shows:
8,10,08
